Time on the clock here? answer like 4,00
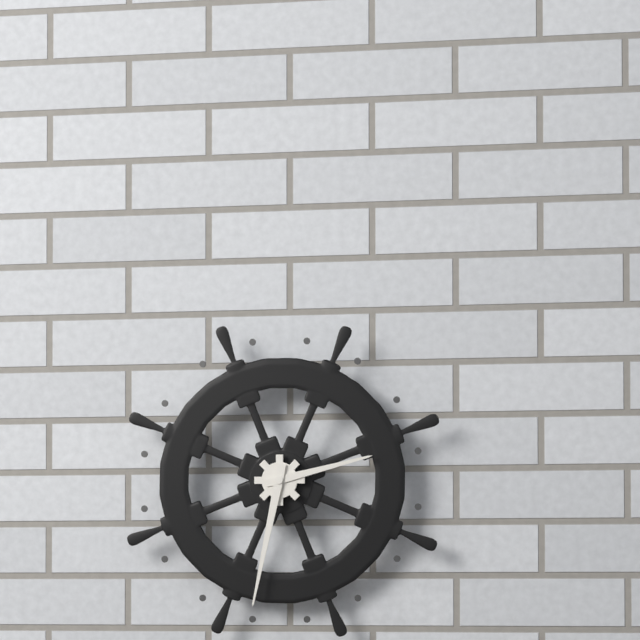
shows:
2,32
